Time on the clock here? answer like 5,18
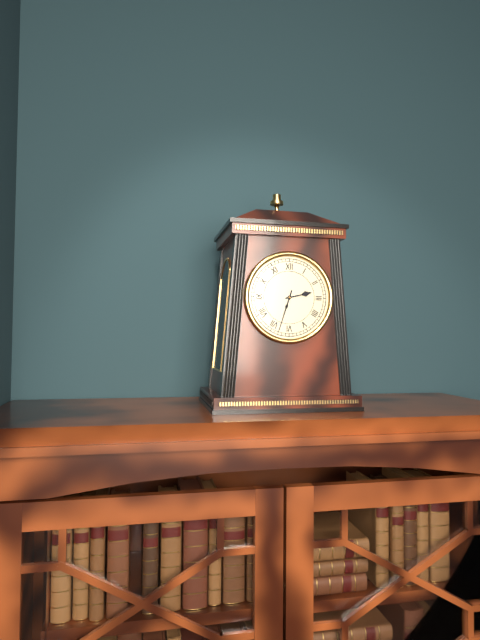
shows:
2,33
